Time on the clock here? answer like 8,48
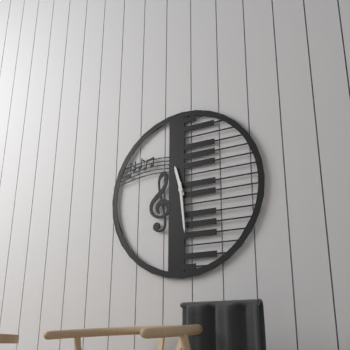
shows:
11,29
